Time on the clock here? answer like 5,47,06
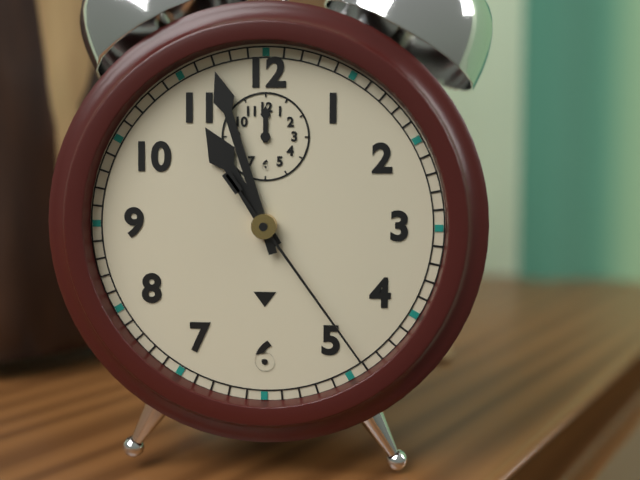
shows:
10,57,24
